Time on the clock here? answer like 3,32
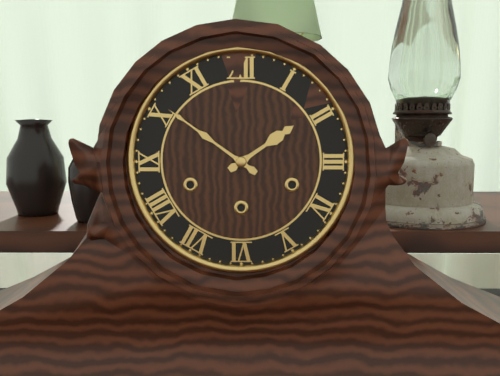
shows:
1,51
